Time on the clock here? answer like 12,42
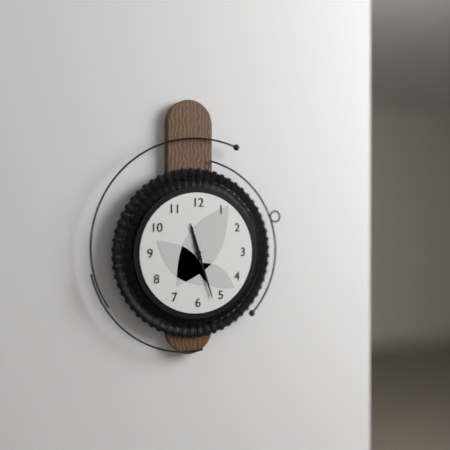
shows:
11,27
